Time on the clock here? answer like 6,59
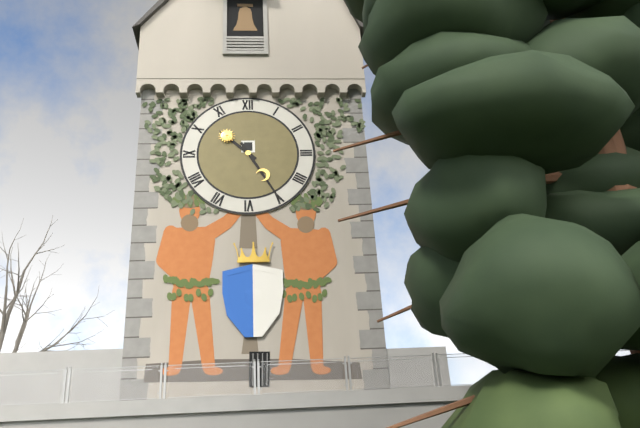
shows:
10,25
